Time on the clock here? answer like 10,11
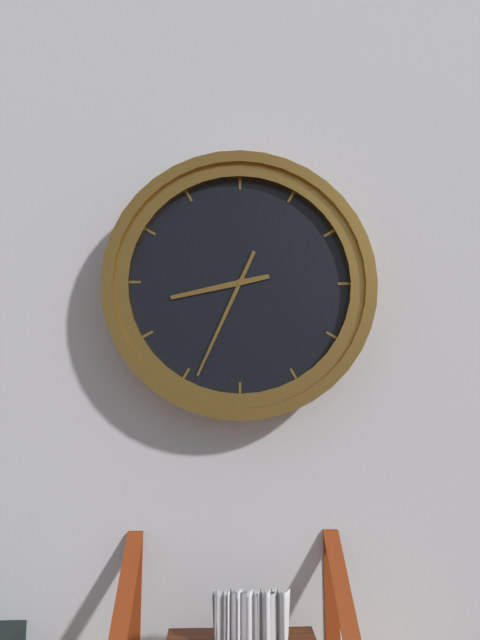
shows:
8,34
